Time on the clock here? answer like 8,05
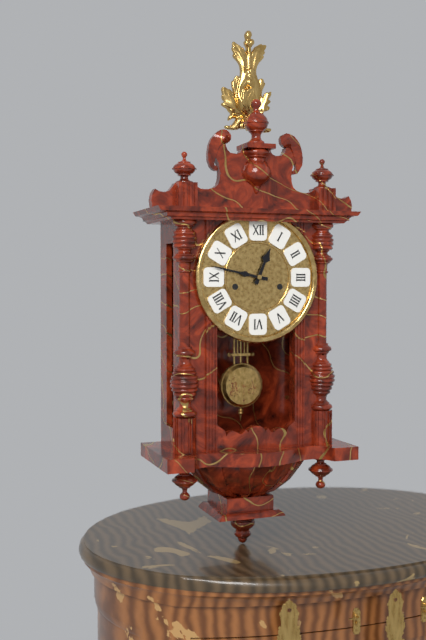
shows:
12,47
